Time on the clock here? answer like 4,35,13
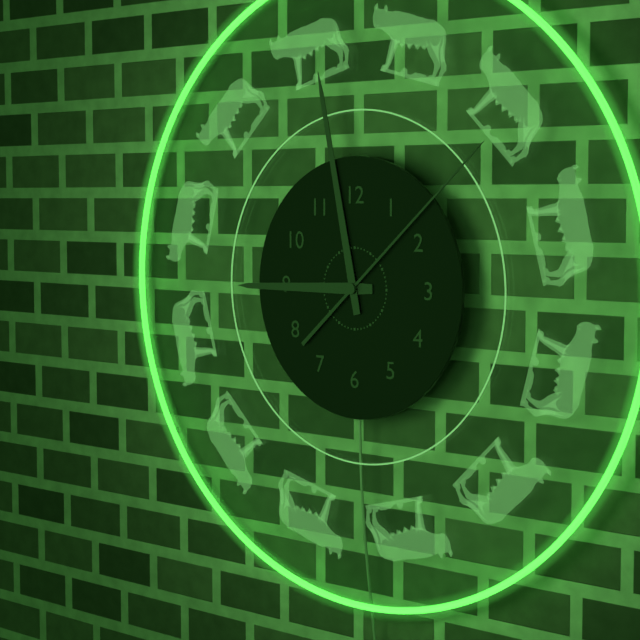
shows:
8,58,08
